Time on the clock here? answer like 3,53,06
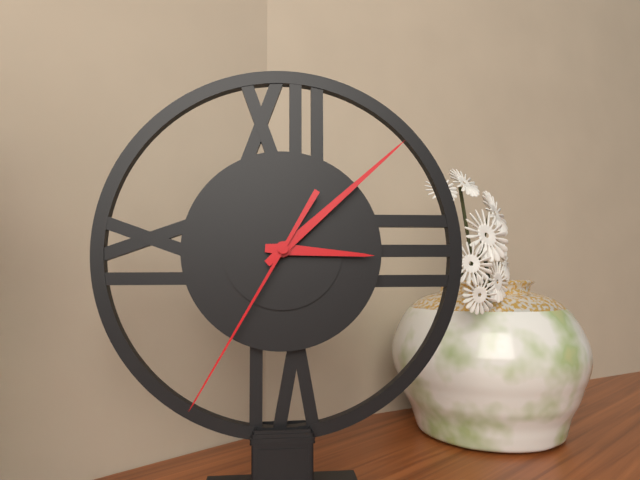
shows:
3,08,35
